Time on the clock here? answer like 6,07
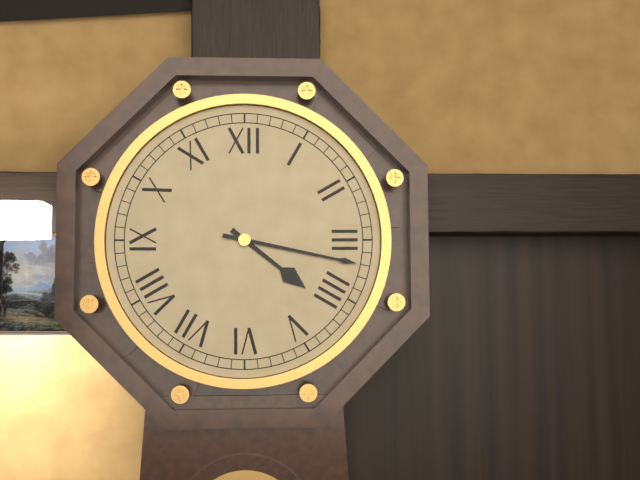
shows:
4,17
